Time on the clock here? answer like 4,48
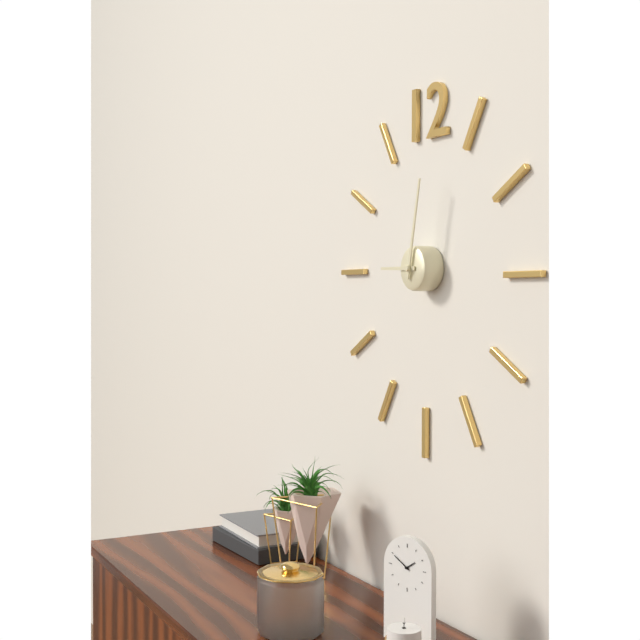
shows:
9,02
